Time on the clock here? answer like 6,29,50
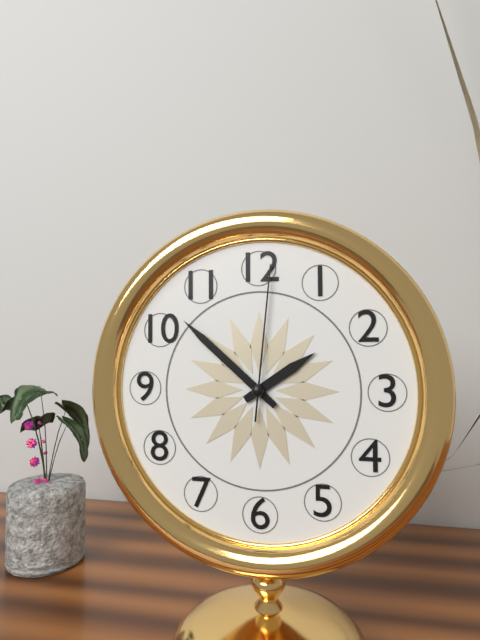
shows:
1,52,01
